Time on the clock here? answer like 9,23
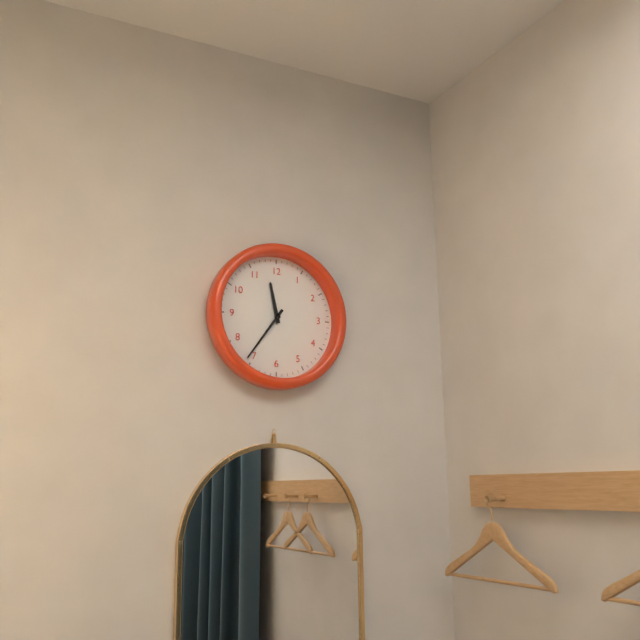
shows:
11,36
